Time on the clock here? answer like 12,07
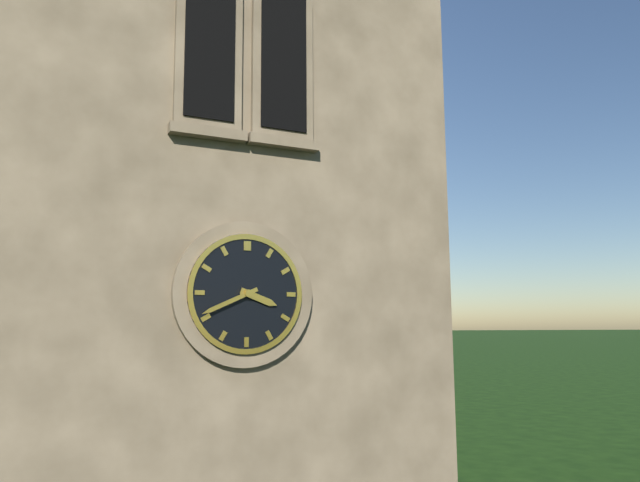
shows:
3,41
